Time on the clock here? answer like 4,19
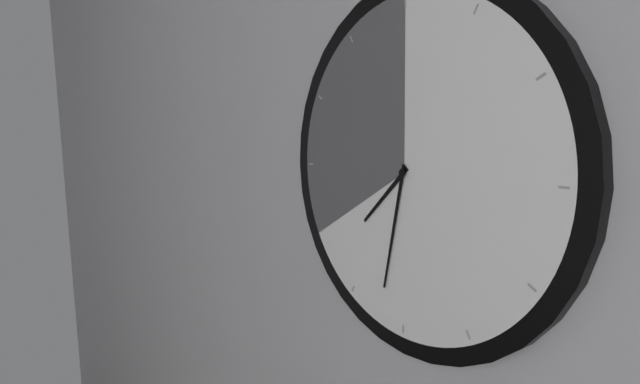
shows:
7,32
